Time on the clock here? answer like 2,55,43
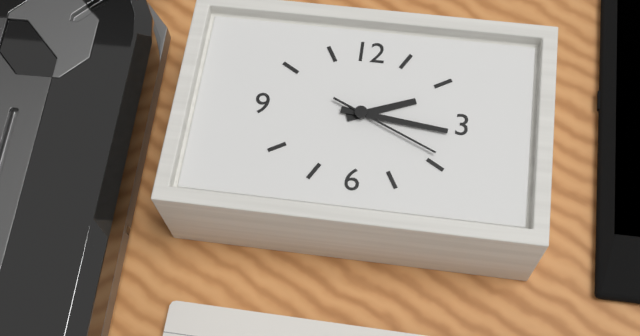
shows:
2,16,19
